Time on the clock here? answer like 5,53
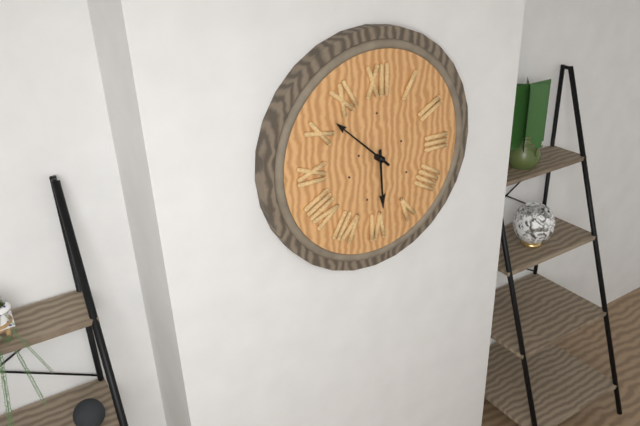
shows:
5,52
